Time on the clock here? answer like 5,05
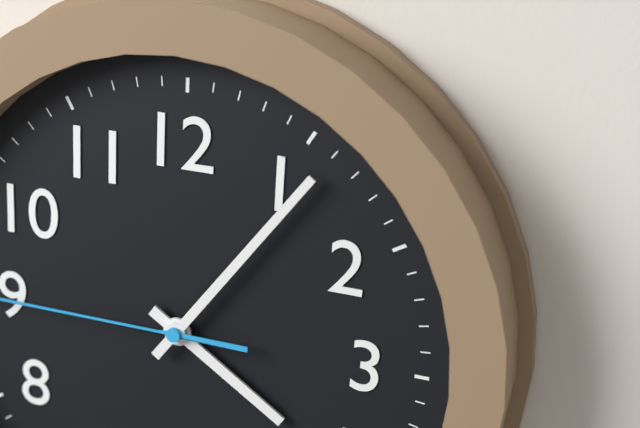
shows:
4,06
